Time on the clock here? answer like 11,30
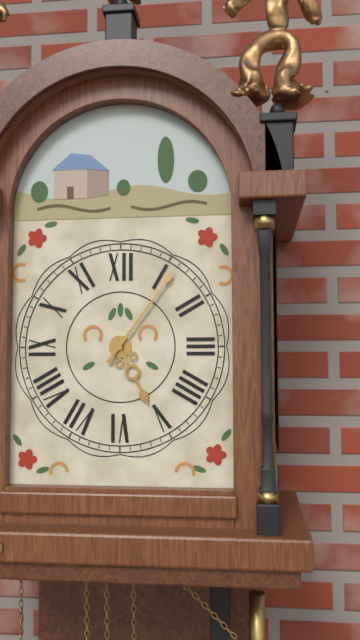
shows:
5,06
